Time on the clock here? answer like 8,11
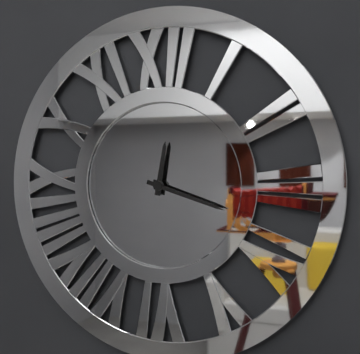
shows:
12,18
